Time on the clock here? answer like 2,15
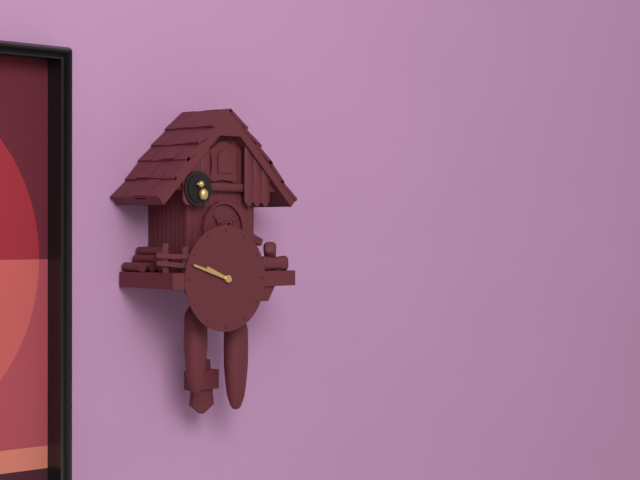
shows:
9,48
